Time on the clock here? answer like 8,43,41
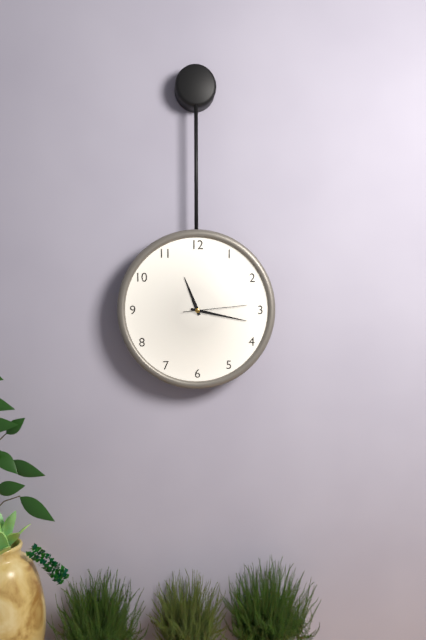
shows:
11,17,14
